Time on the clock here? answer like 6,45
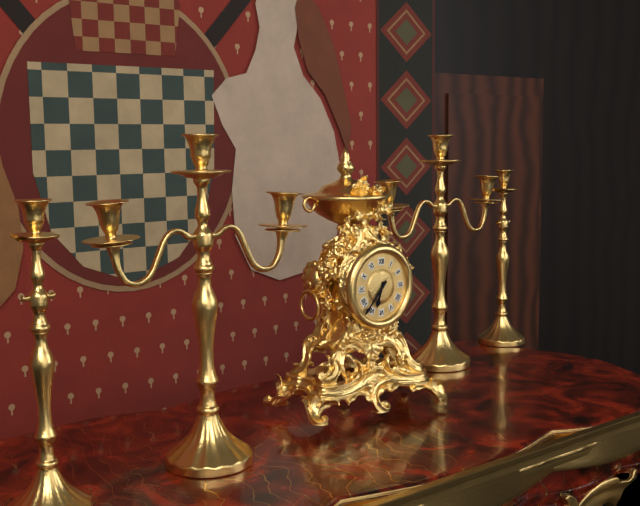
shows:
6,37
